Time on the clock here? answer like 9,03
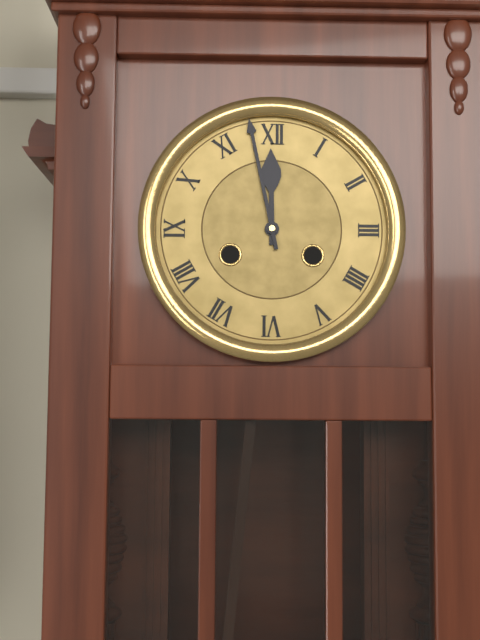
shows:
11,58
